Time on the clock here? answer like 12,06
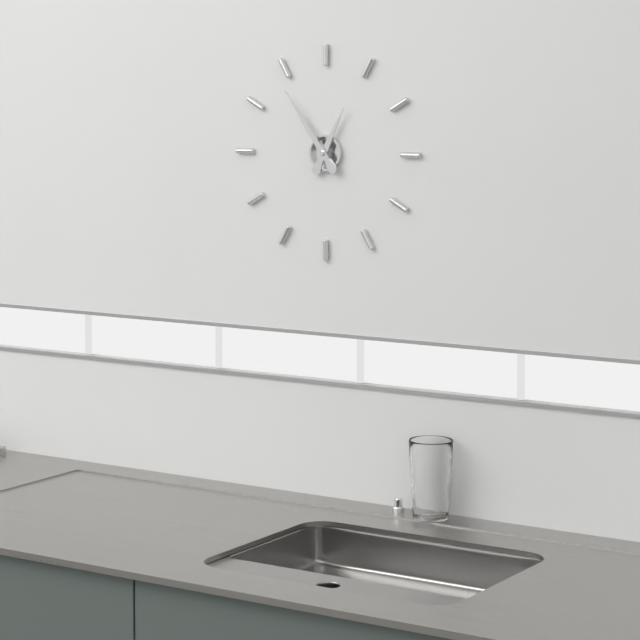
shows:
12,54
